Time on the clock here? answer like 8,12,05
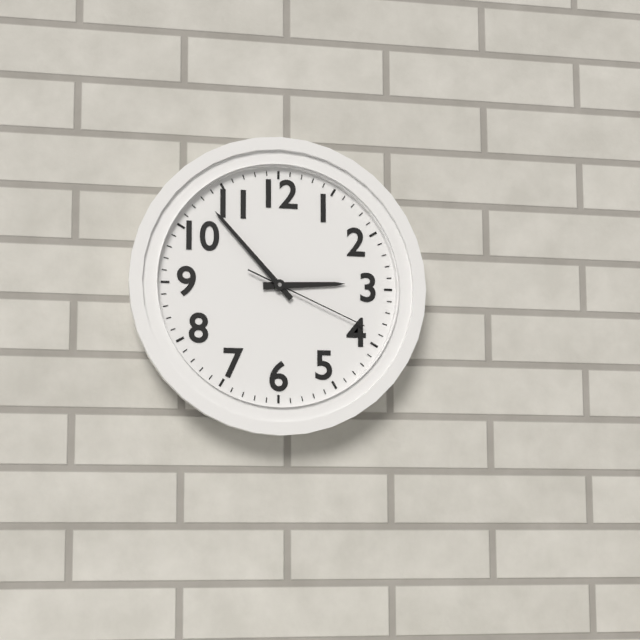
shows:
2,53,19
